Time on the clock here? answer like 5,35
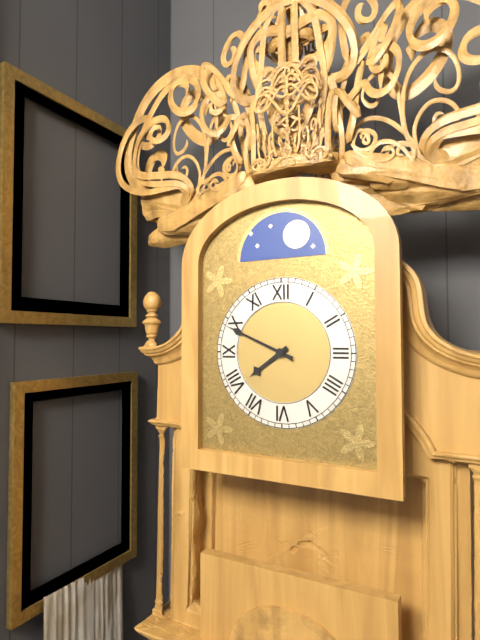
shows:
7,49
